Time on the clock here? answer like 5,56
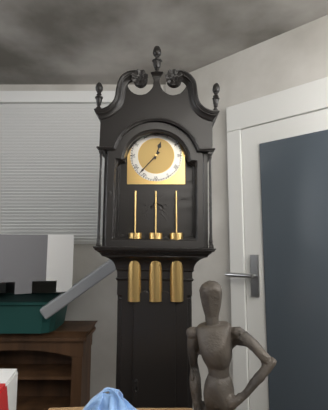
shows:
12,37
